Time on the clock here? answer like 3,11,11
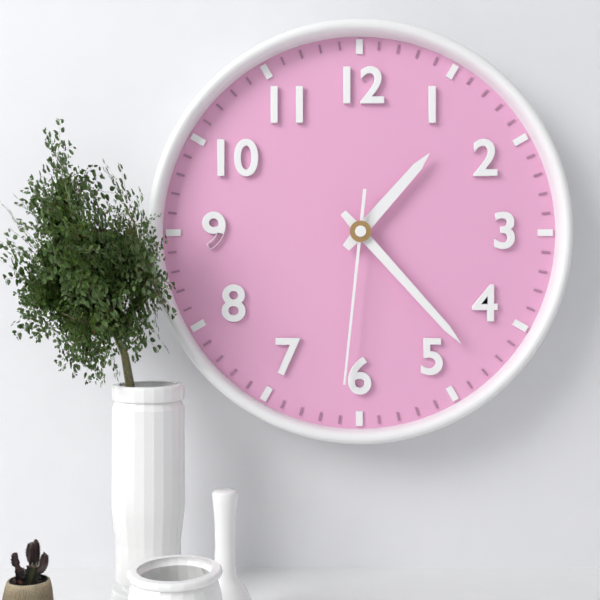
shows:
1,23,31
